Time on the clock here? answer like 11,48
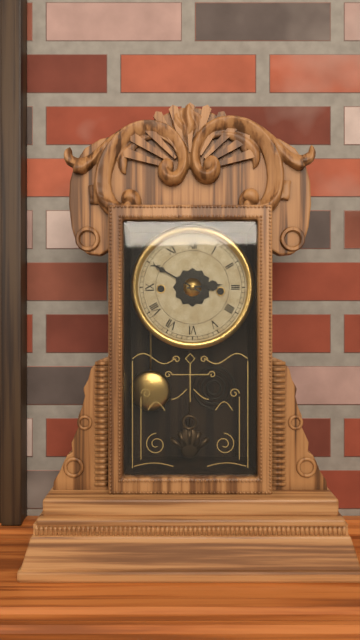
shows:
2,50
